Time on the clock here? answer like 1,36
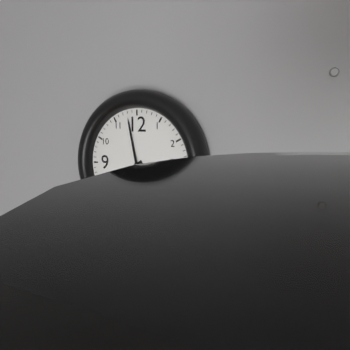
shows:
7,58
